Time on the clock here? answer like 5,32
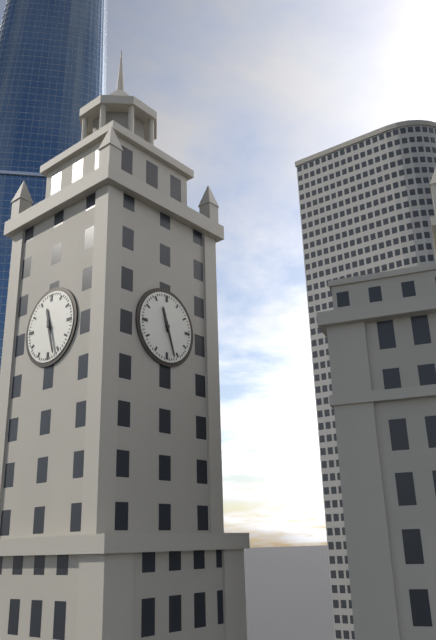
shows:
11,27
